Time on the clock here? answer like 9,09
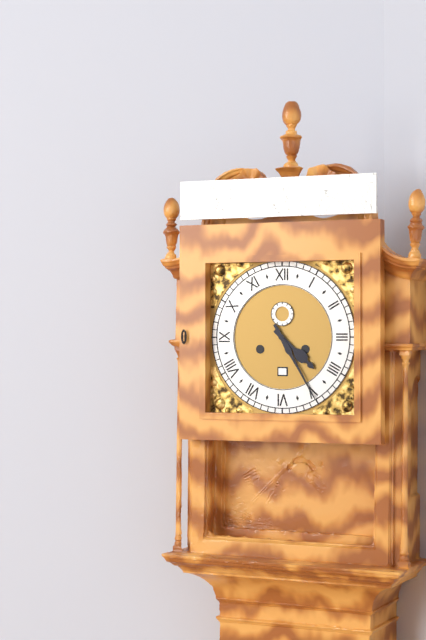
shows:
4,25
